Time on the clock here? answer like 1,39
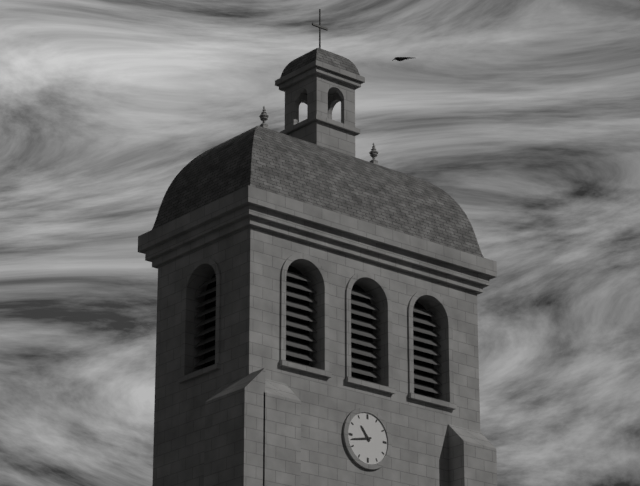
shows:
10,43
